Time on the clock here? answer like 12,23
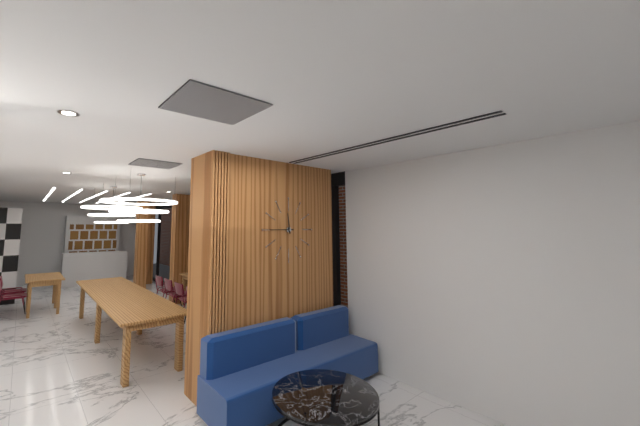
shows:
11,45
